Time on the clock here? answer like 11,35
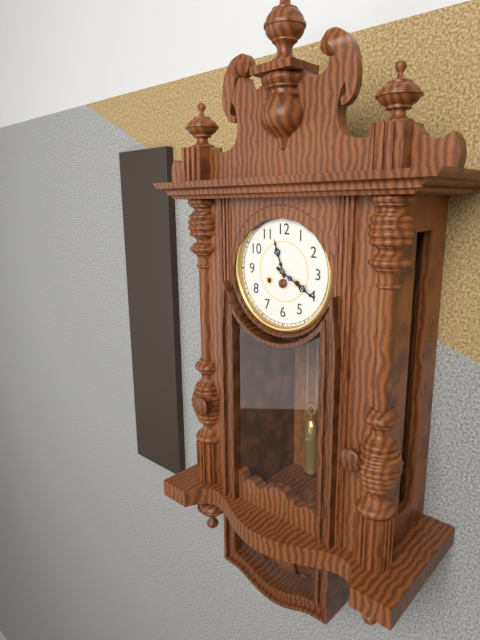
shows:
11,20
